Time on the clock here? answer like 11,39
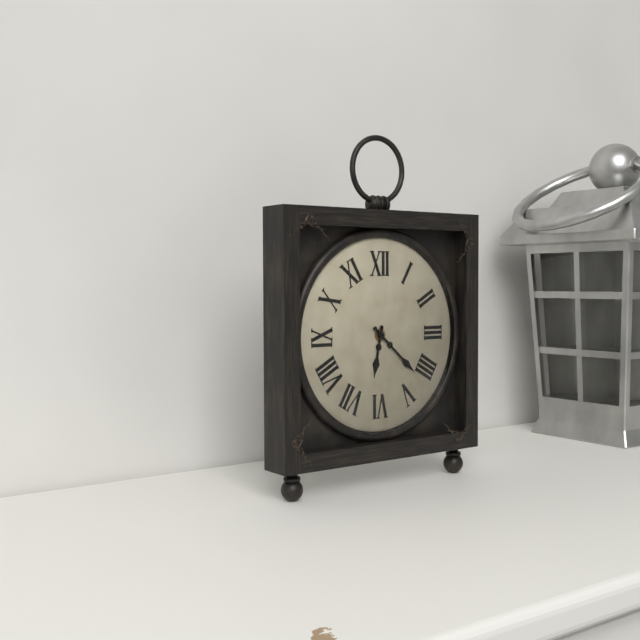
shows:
6,22
